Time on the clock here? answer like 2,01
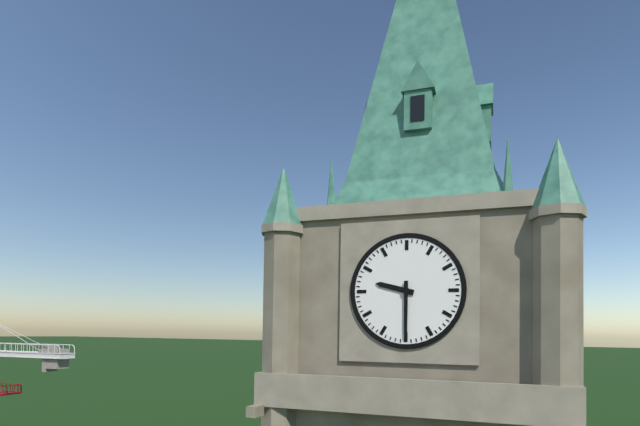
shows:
9,30
